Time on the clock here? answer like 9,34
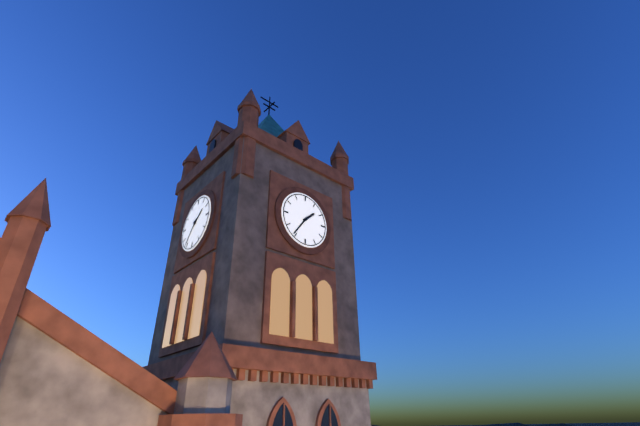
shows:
1,36
